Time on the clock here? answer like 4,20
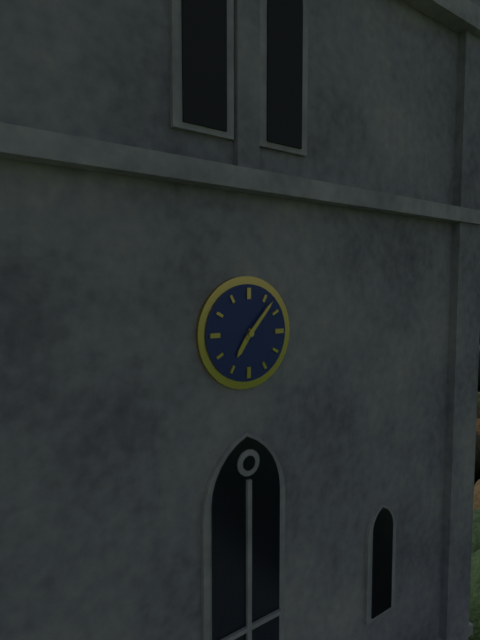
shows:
7,07
